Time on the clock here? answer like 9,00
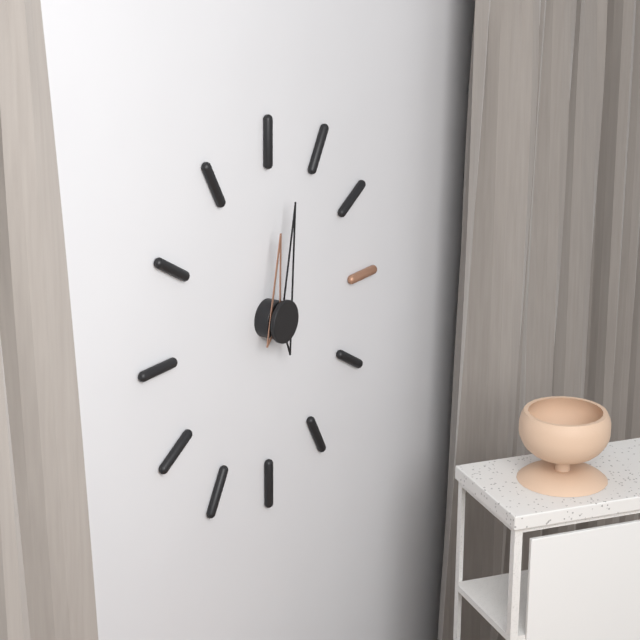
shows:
12,02
